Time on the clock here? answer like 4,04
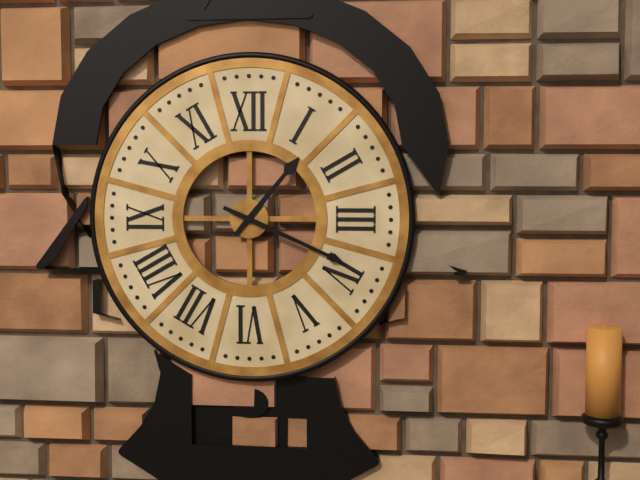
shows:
1,19
